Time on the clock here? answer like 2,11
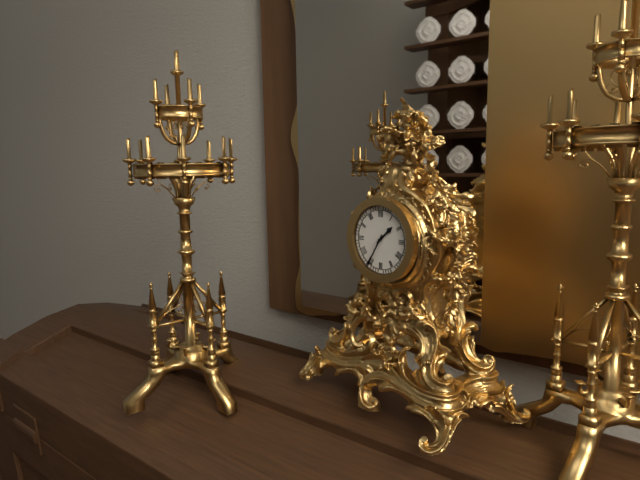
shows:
1,35
